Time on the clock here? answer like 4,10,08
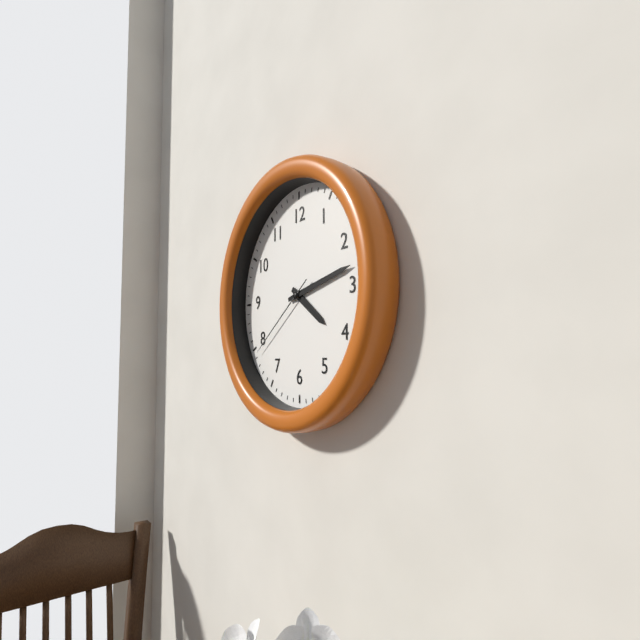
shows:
4,13,39
